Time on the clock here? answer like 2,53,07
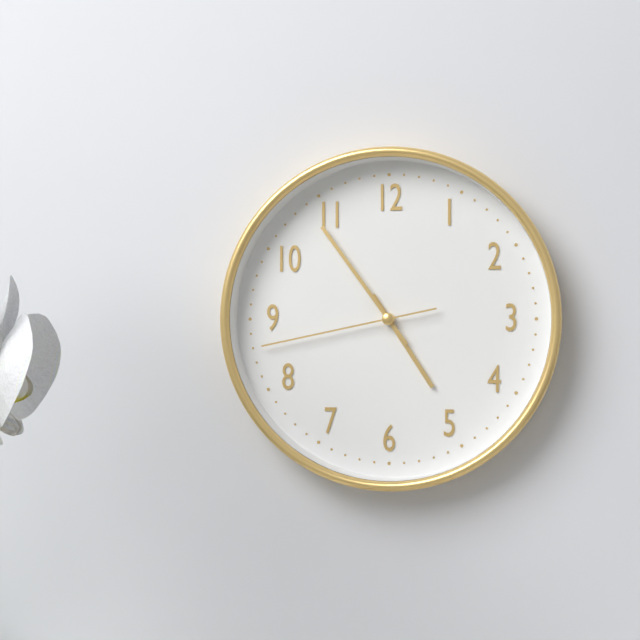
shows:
4,54,43
